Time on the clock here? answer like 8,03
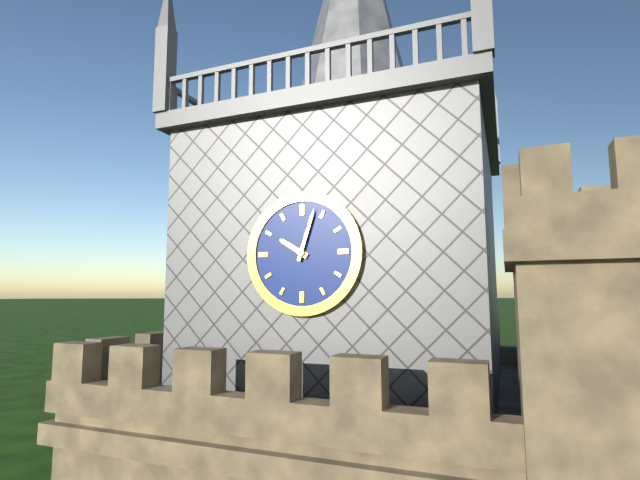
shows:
10,03
